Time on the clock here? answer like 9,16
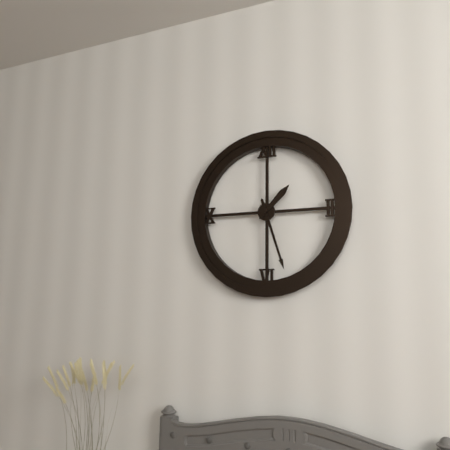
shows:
1,27
